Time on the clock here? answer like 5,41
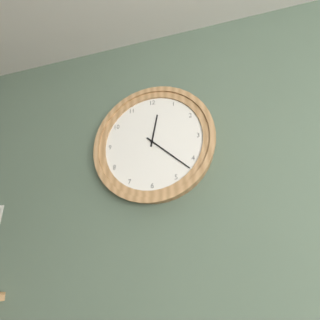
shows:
12,22
